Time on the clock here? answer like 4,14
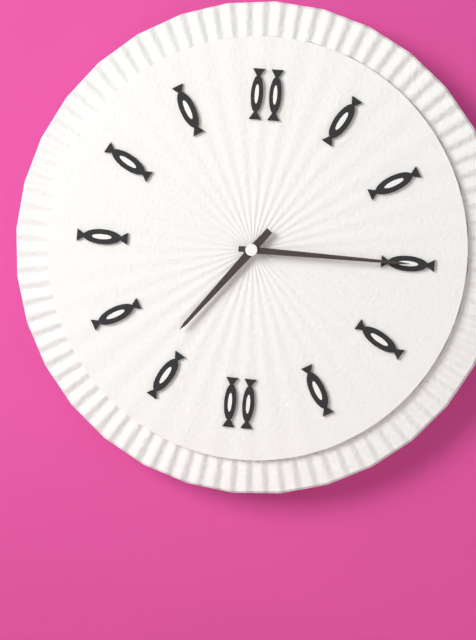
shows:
7,15
